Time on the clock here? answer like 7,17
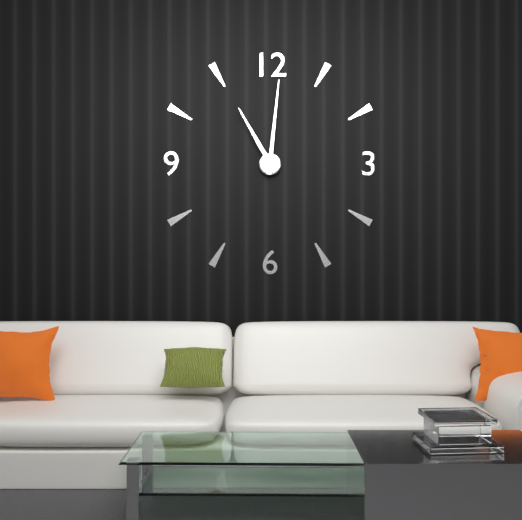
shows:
11,01
